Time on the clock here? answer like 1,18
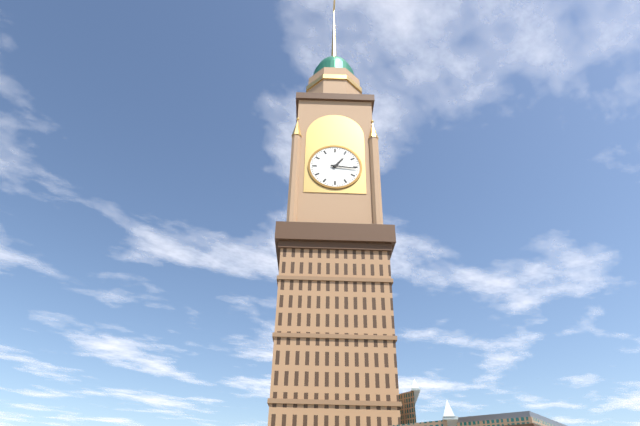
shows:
1,16
